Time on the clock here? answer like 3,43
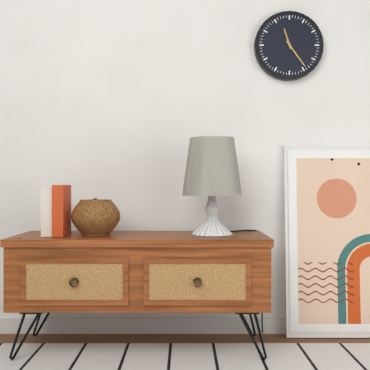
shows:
11,24
